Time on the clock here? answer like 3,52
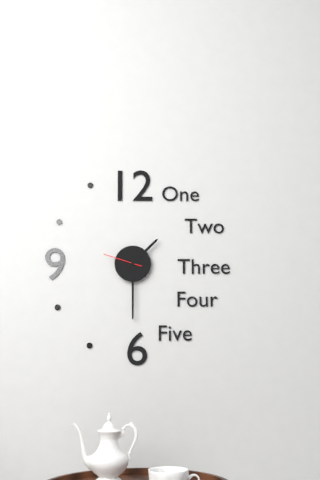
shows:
1,30
